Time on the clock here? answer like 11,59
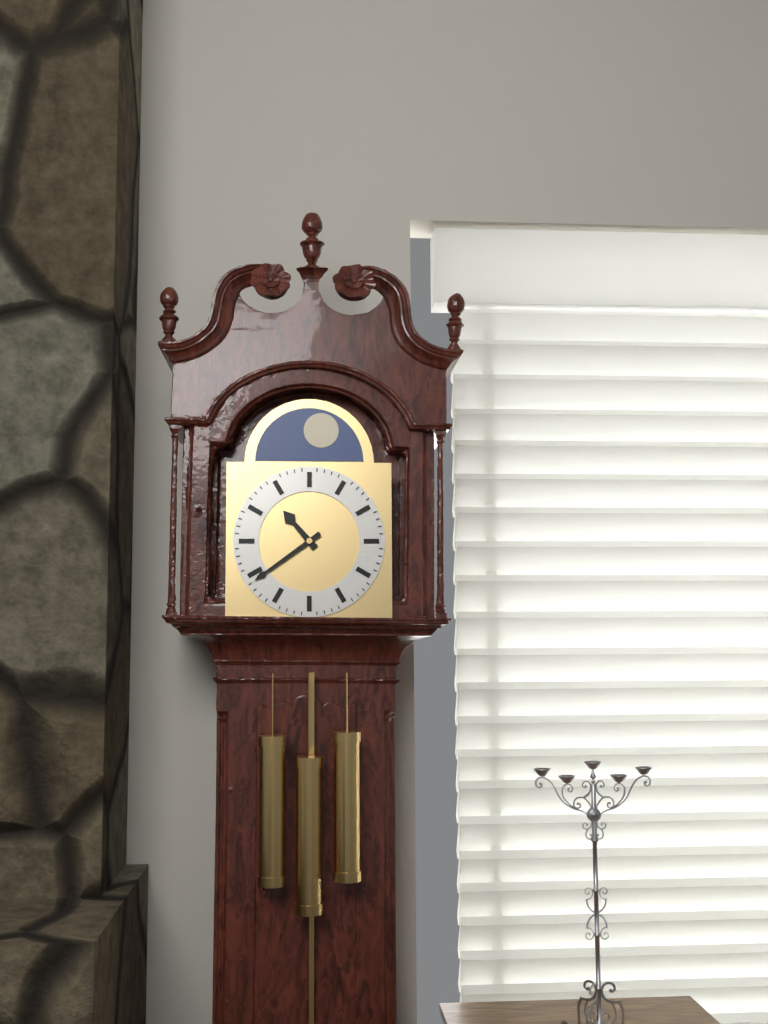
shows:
10,39
